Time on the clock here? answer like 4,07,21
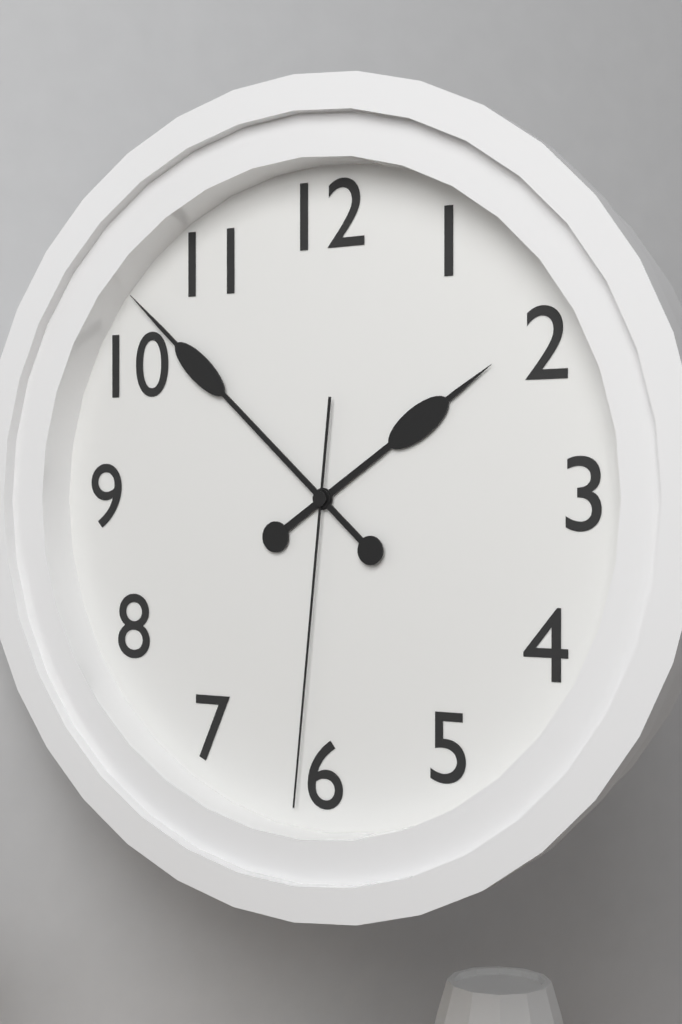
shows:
1,52,31
